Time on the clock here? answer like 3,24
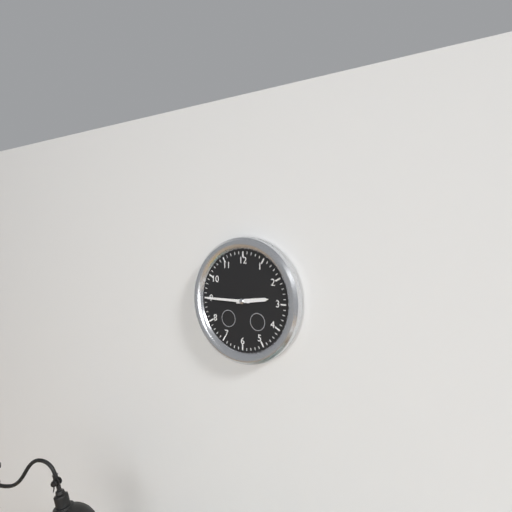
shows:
2,45
